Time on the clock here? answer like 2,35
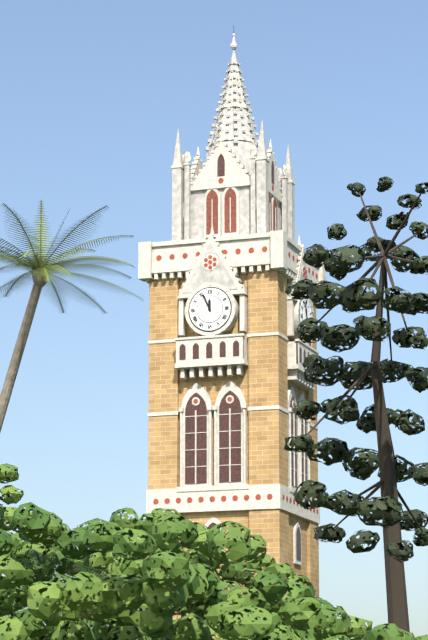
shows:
11,56
